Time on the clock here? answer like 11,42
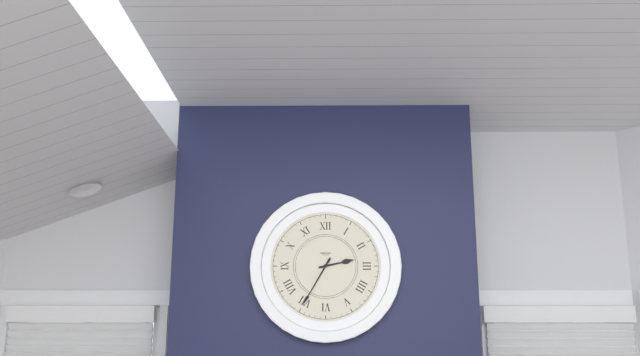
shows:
2,35
